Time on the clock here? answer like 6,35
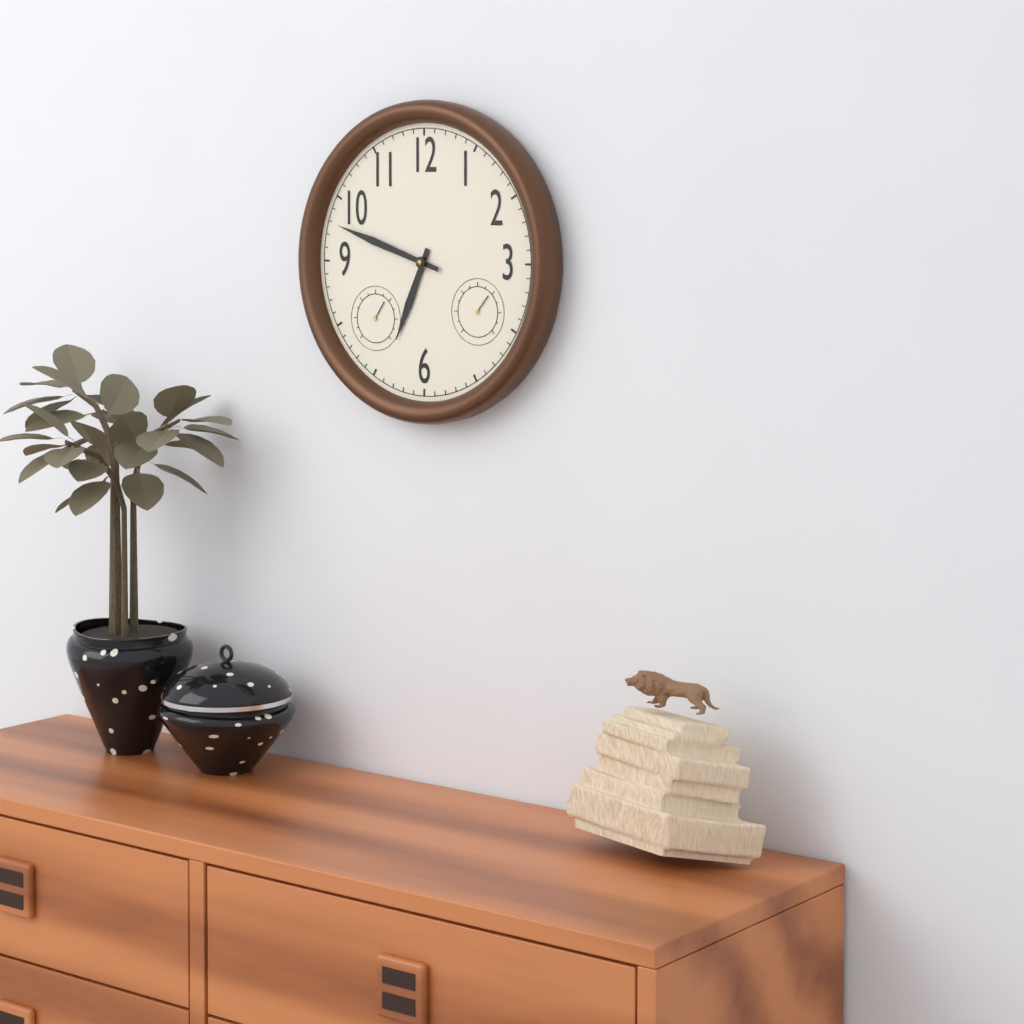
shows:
6,48
